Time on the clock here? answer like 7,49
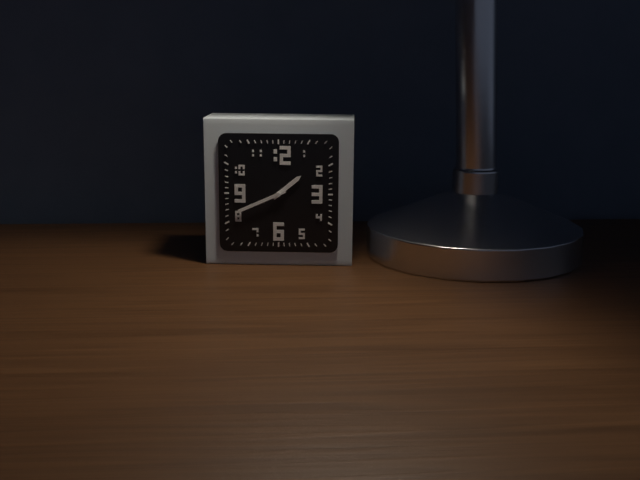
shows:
1,41
